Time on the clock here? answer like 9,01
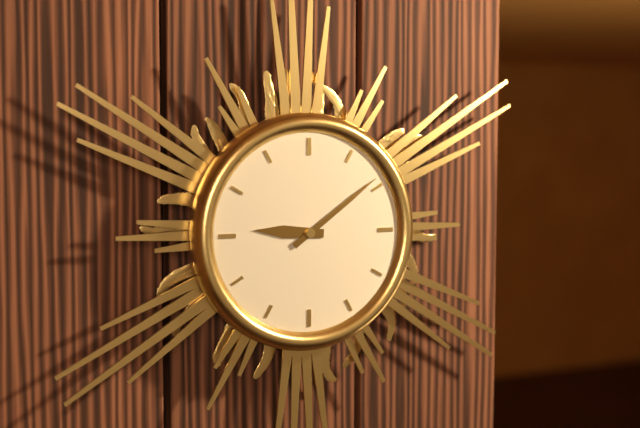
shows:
9,09
